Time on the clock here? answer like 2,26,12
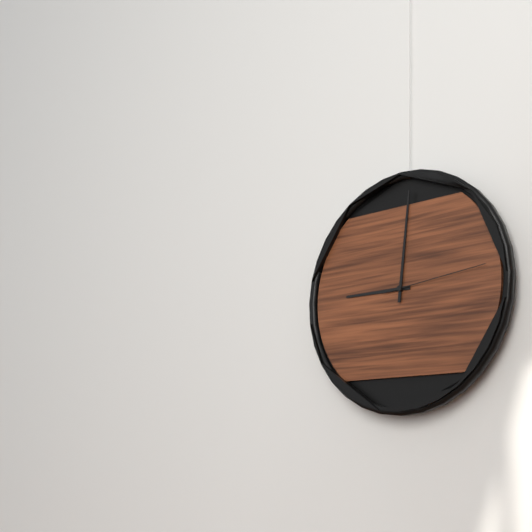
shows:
9,01,14
